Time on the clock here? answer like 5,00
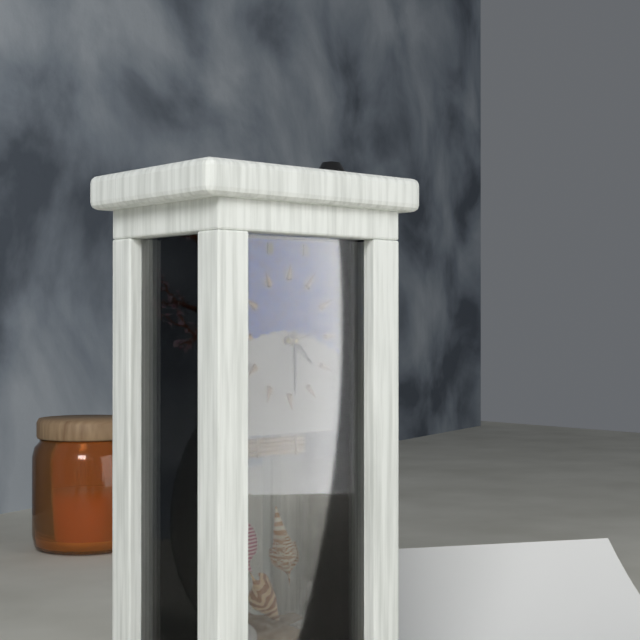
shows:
4,30
